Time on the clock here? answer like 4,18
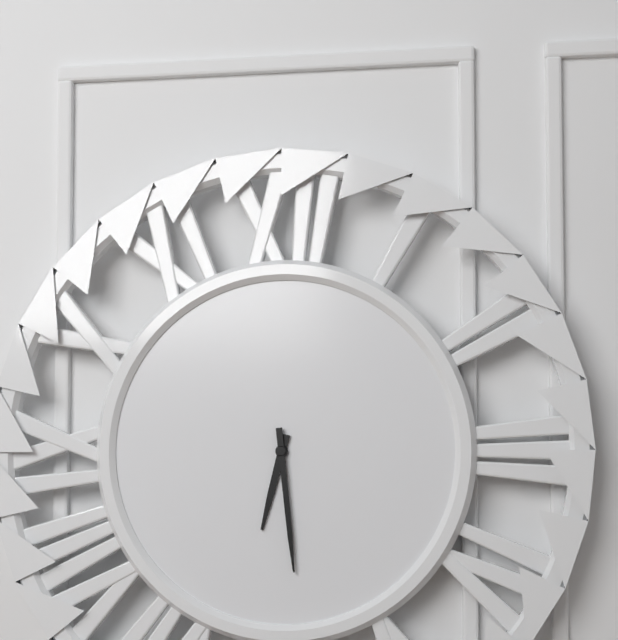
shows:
6,29
